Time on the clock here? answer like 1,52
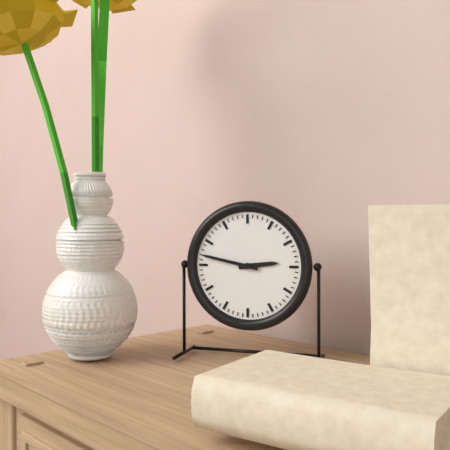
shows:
2,47
